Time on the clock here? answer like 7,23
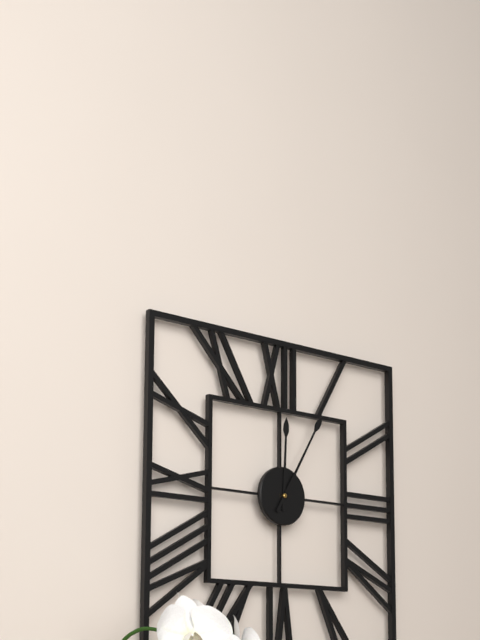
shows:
12,05
